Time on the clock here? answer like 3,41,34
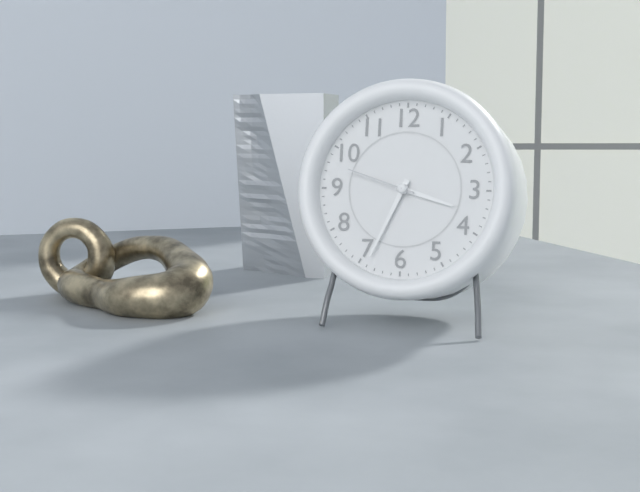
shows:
3,34,48
